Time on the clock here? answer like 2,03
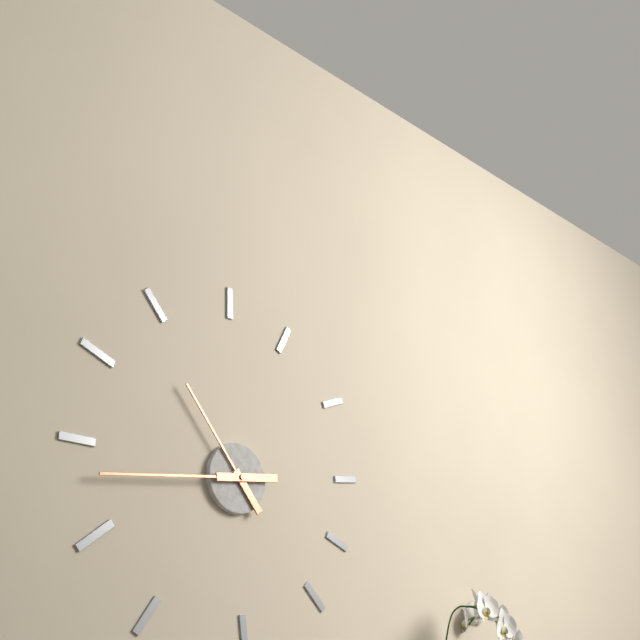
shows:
10,44
